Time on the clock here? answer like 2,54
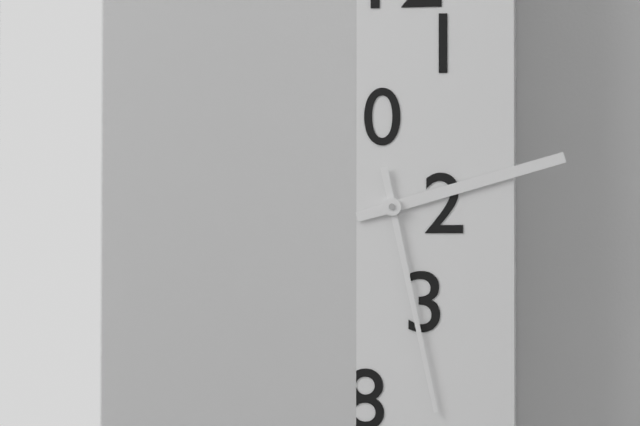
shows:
2,28
